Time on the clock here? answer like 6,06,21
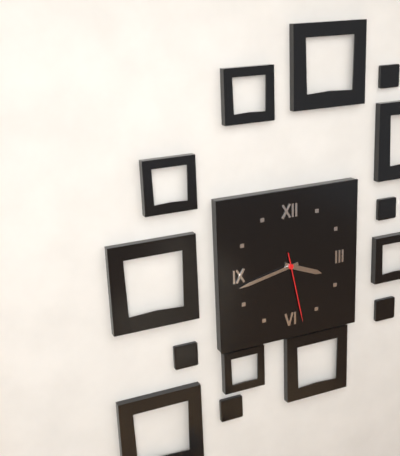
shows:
3,43,28
